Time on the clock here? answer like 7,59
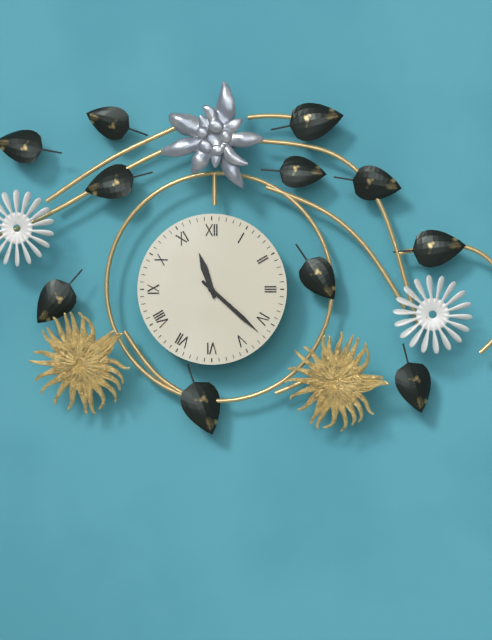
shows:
11,22
